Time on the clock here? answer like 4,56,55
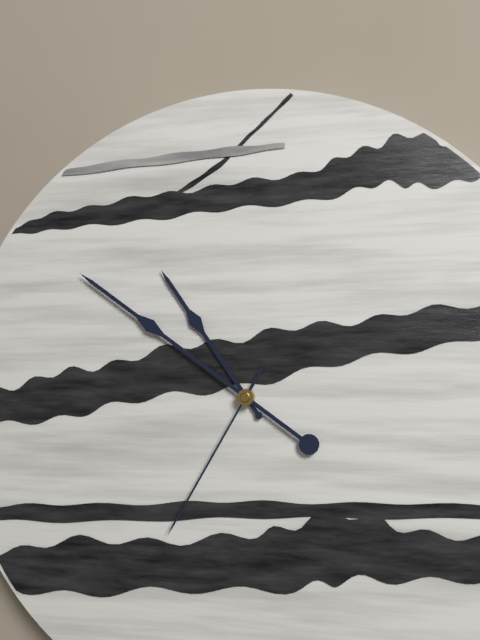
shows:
10,51,35
